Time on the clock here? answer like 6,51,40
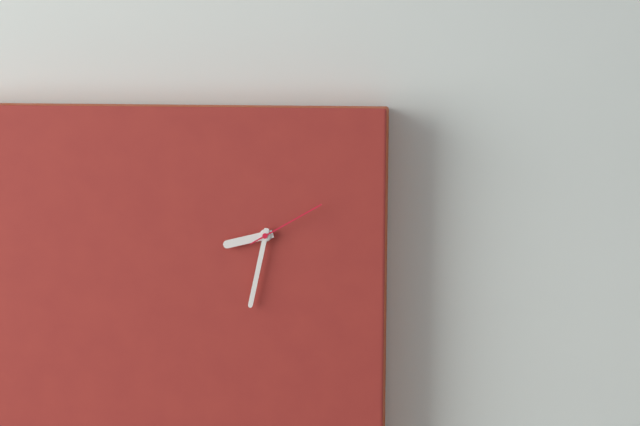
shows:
8,32,10
